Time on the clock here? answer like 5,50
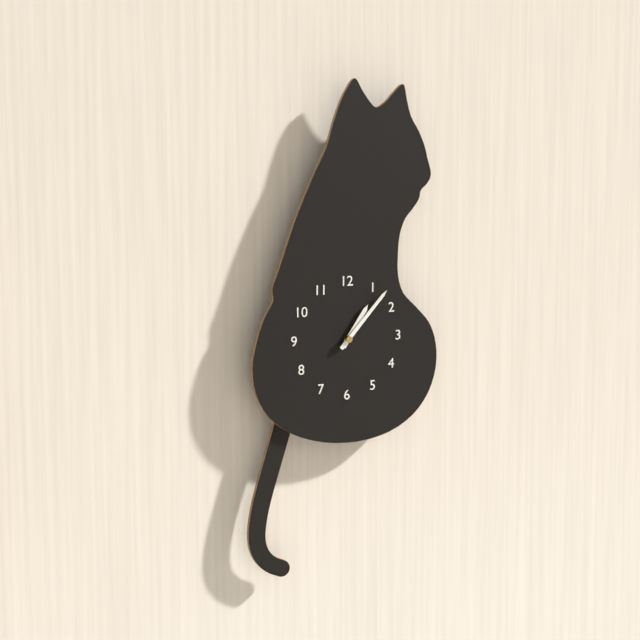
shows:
1,07
